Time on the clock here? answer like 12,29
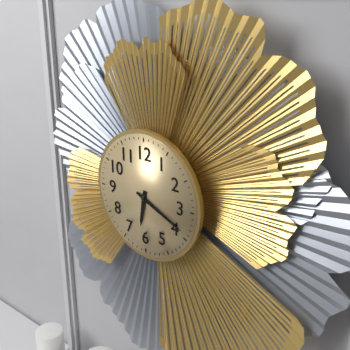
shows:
6,19
